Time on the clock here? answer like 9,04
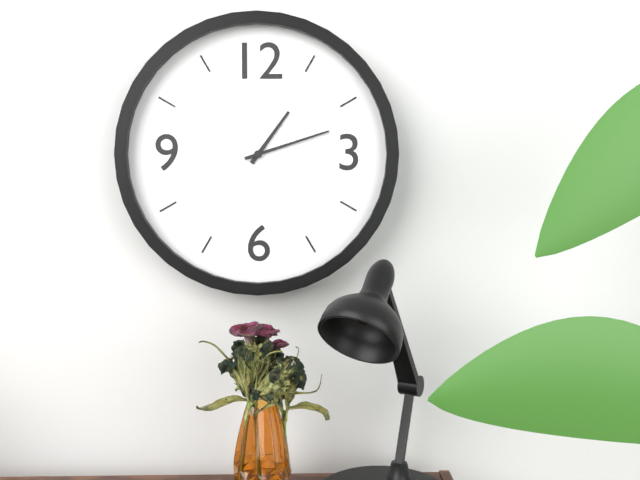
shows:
1,12
